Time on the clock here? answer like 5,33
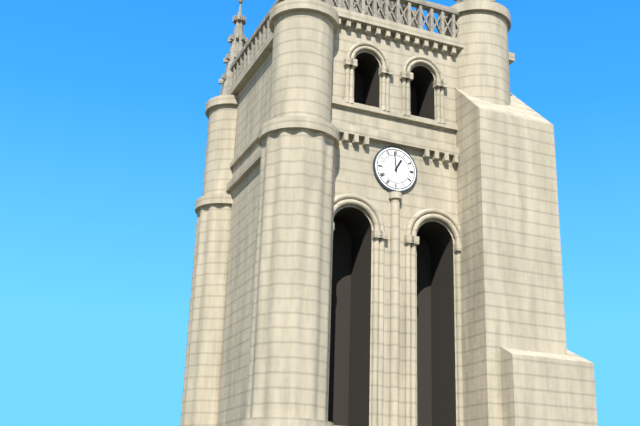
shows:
12,59
